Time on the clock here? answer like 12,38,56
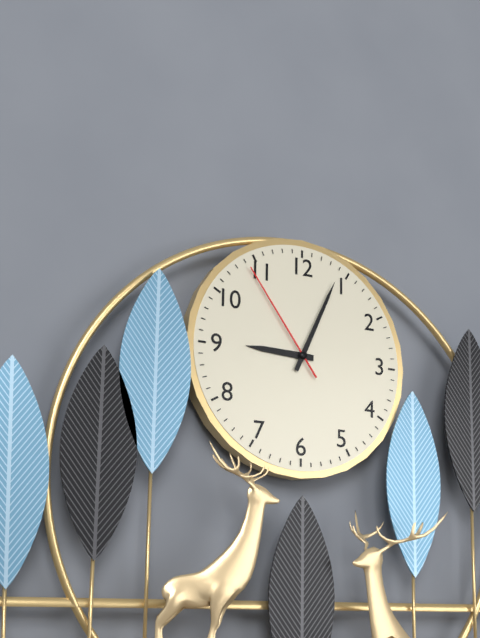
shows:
9,04,54
